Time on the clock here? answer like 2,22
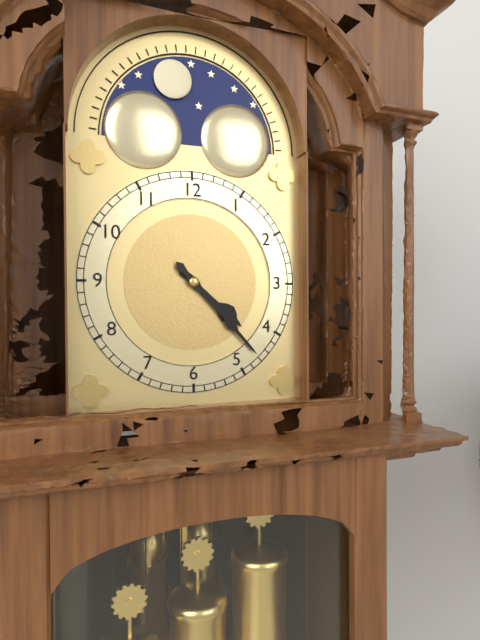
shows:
4,23
